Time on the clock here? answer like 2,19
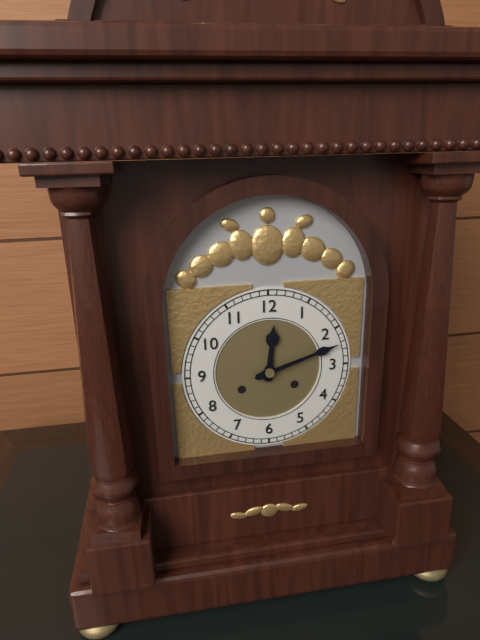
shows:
12,12
